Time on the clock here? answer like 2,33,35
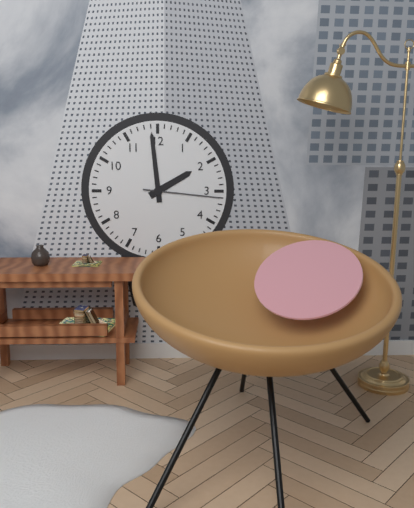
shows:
1,59,16
